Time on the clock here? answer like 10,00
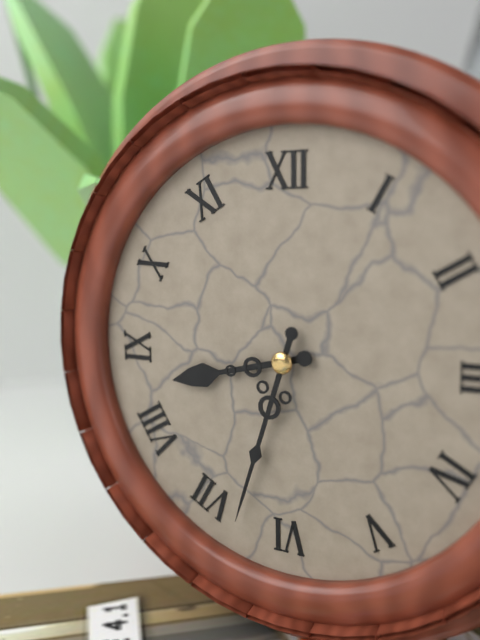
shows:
8,33
